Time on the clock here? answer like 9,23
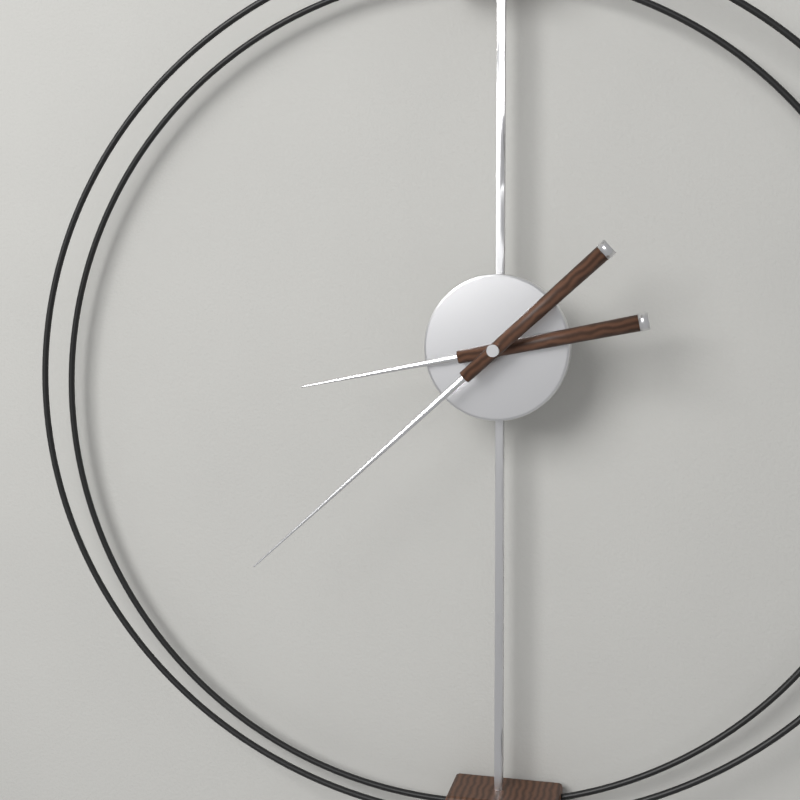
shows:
8,38
